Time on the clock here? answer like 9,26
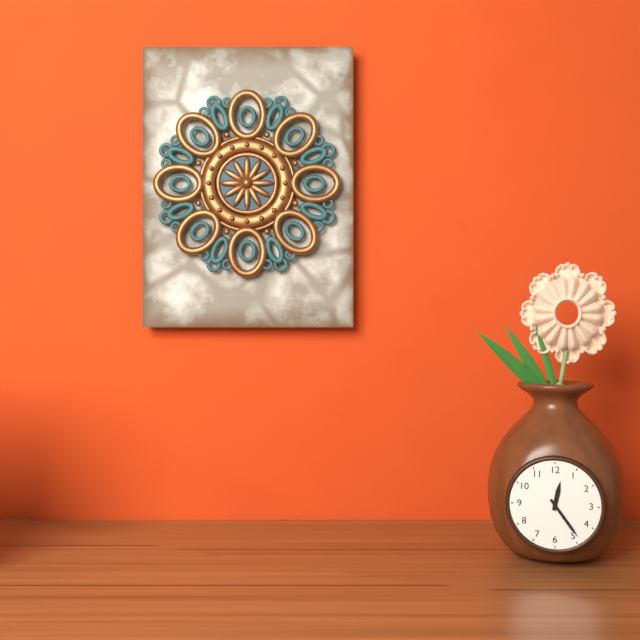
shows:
12,24
